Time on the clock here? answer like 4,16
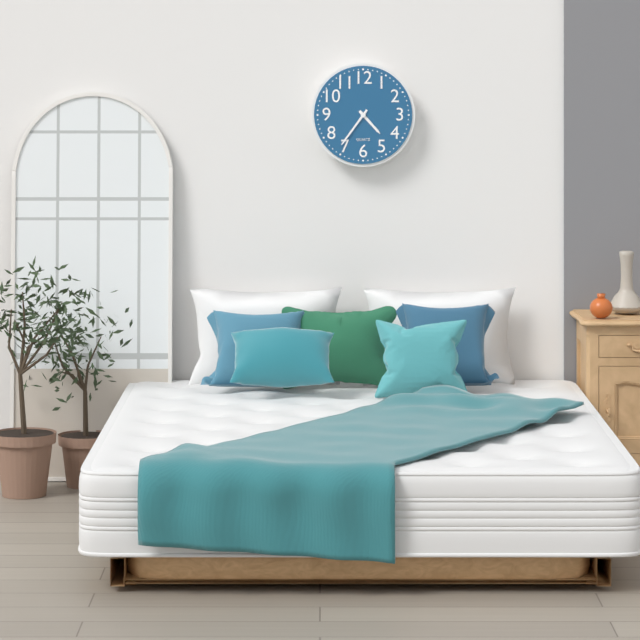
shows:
4,36
